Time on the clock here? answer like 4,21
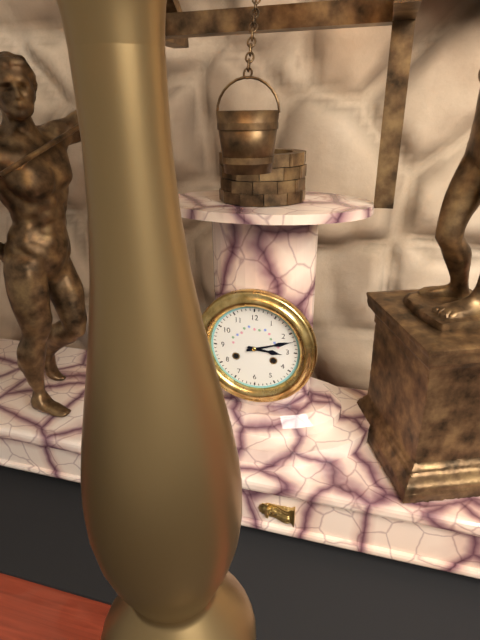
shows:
3,12
